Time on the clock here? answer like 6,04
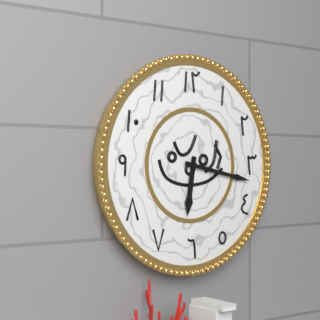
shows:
6,17
